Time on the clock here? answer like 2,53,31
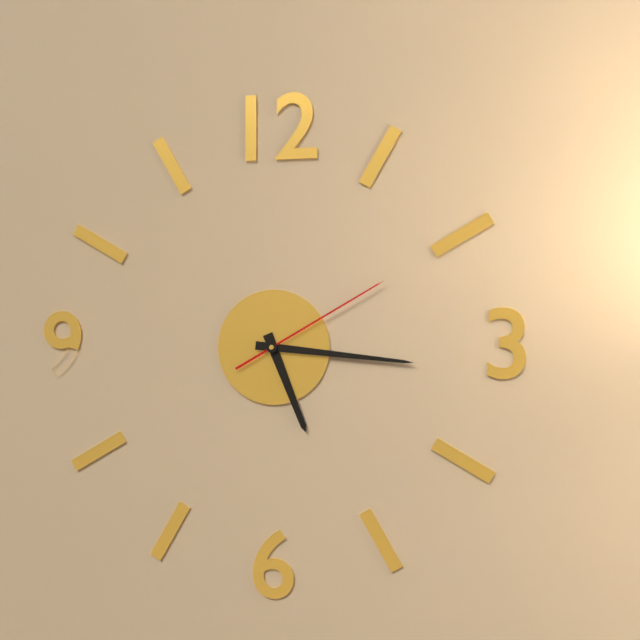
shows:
5,16,10
